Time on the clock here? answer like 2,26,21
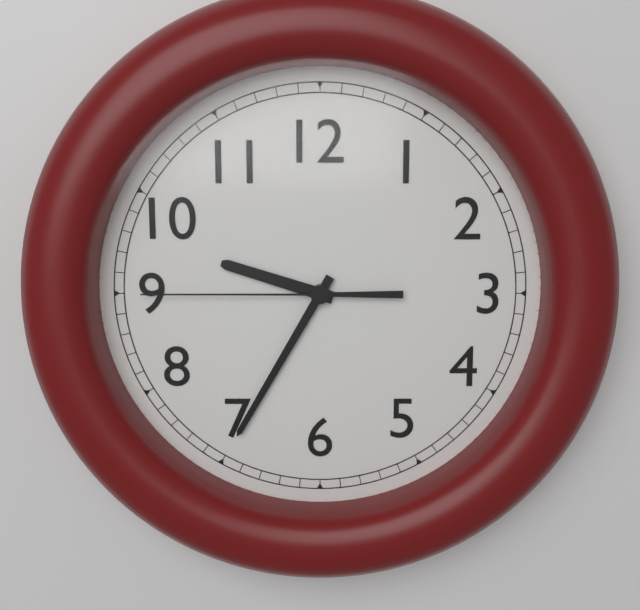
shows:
9,35,45
